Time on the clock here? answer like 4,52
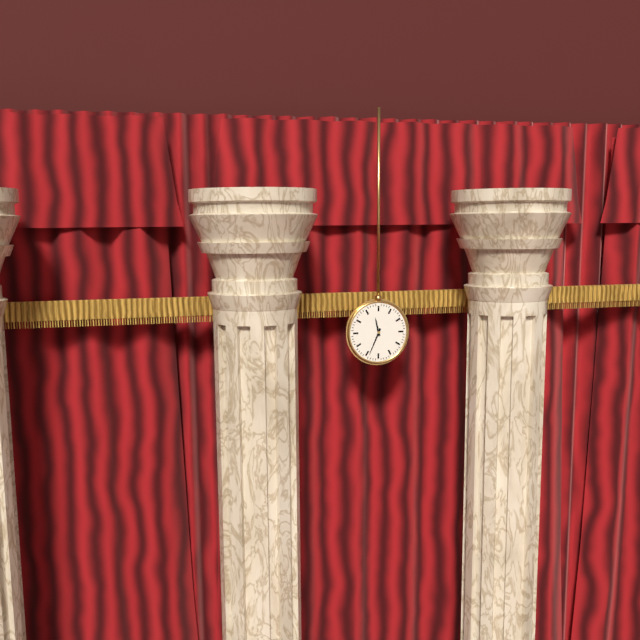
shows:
11,34
